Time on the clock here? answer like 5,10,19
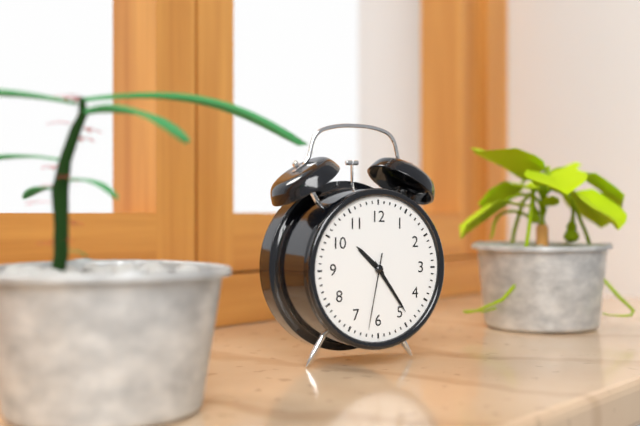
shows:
10,24,32
